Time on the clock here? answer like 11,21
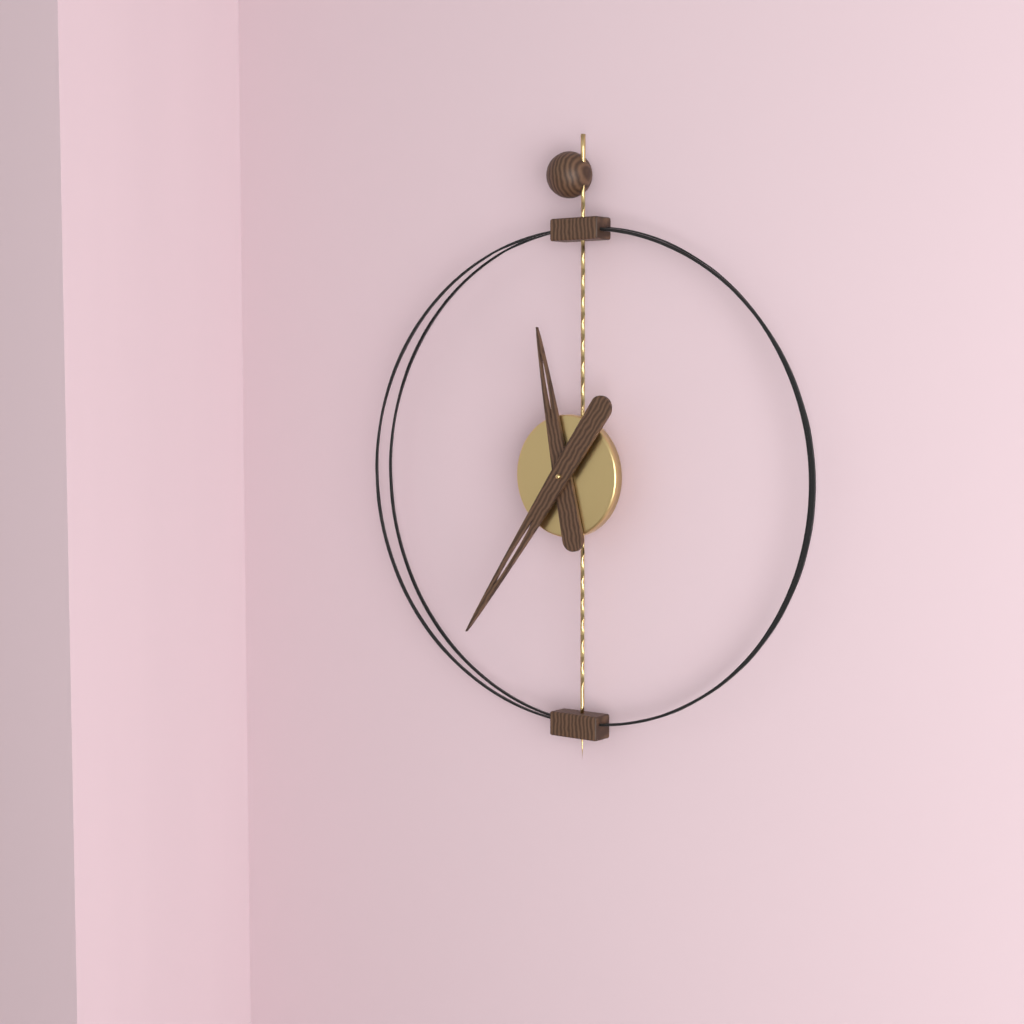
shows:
11,36
